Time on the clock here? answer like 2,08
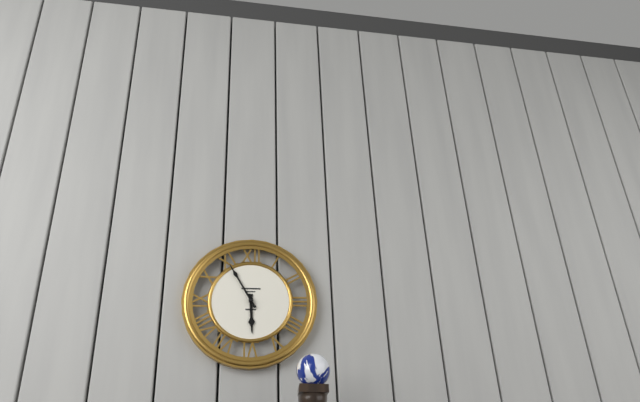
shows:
5,55
